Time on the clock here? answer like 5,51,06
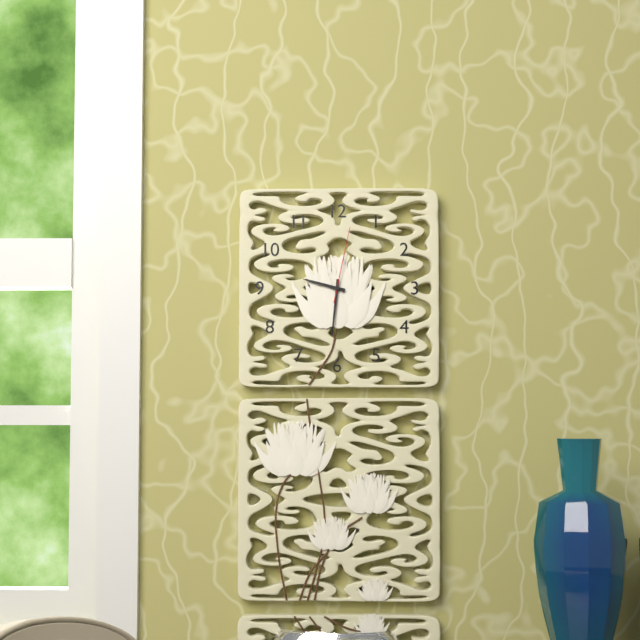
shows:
9,31,02
